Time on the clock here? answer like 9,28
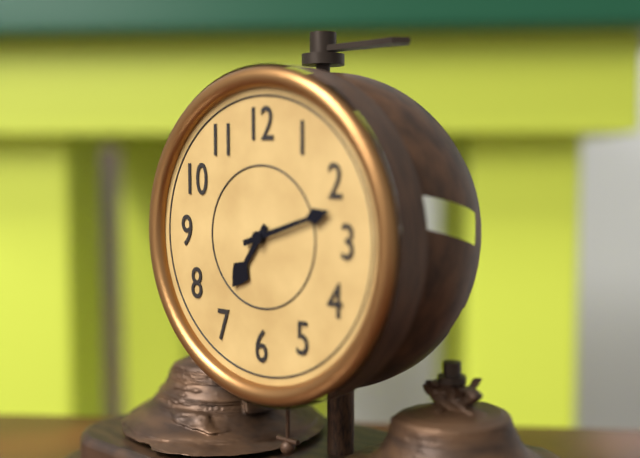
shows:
7,12
